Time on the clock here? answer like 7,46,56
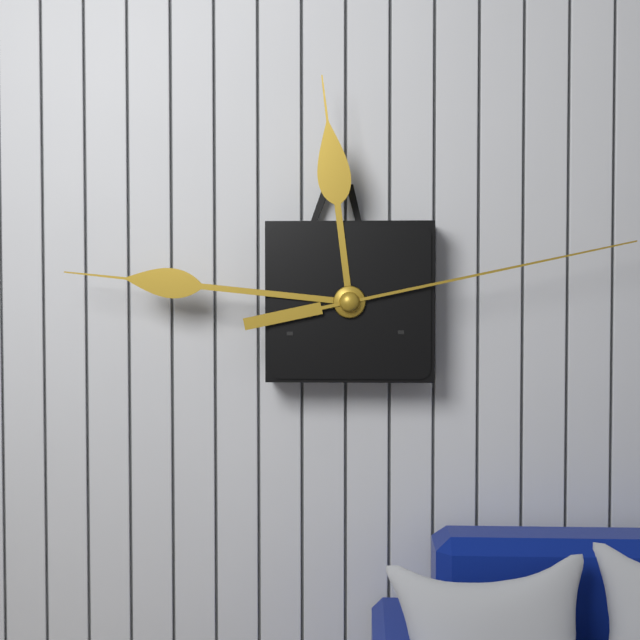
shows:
11,46,13
